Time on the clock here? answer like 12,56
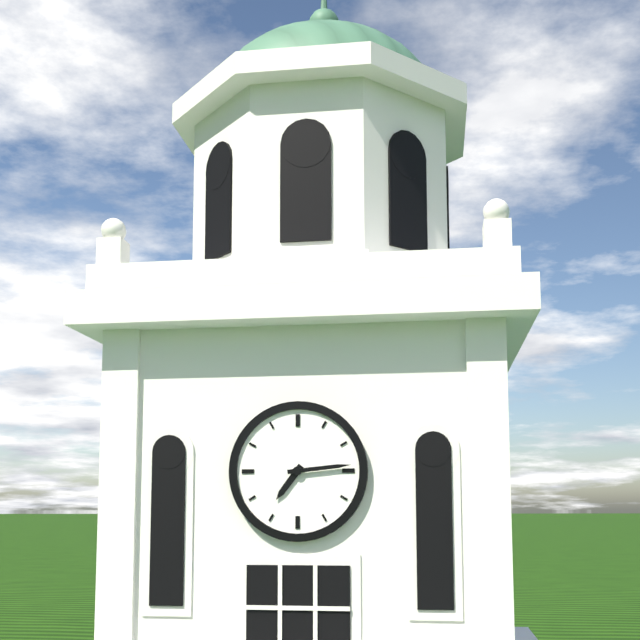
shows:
7,14
